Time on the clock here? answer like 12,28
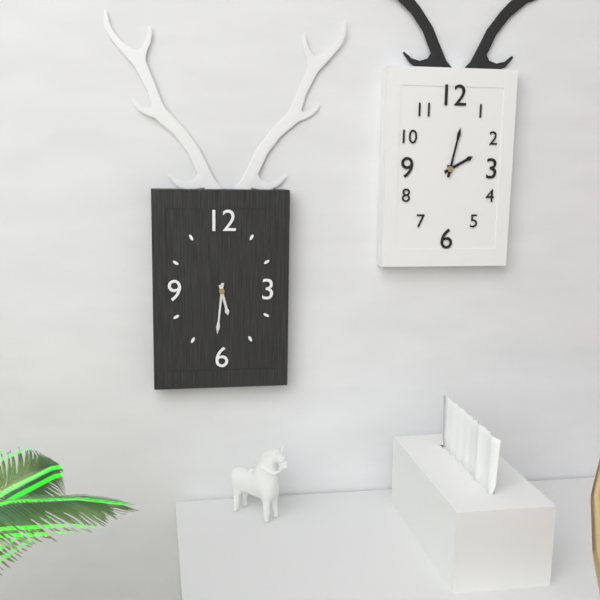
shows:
5,31
